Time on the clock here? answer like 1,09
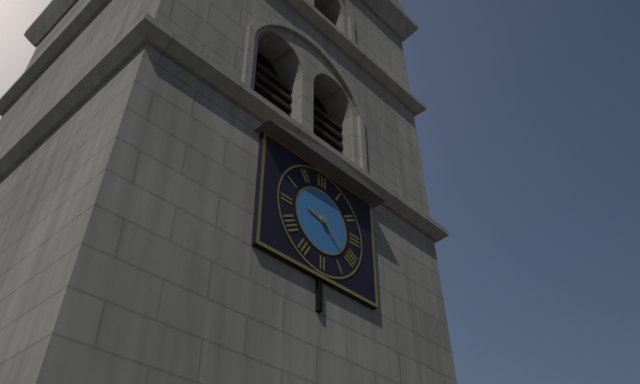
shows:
9,22
